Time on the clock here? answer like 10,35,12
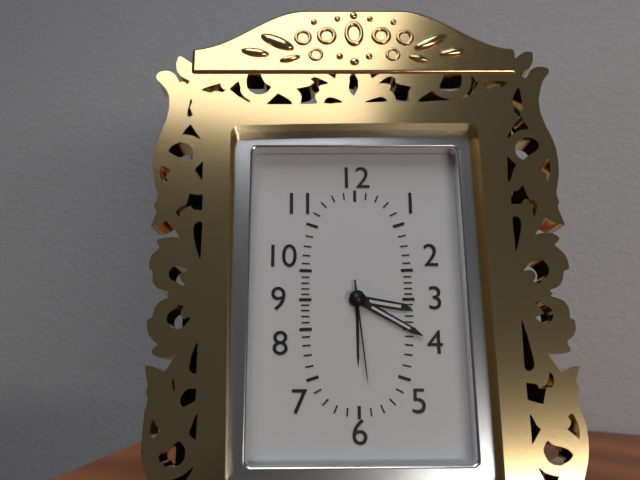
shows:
3,20,29
